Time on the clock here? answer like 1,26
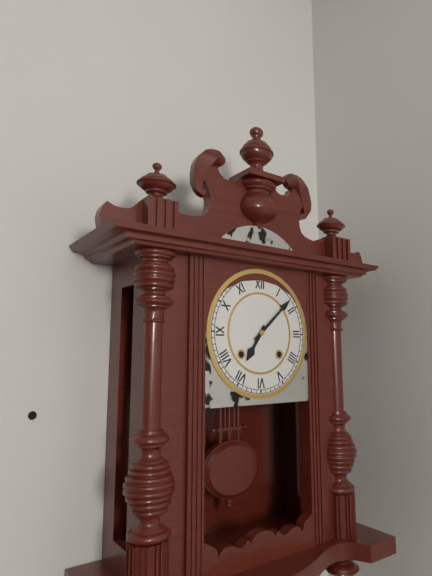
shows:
7,08
